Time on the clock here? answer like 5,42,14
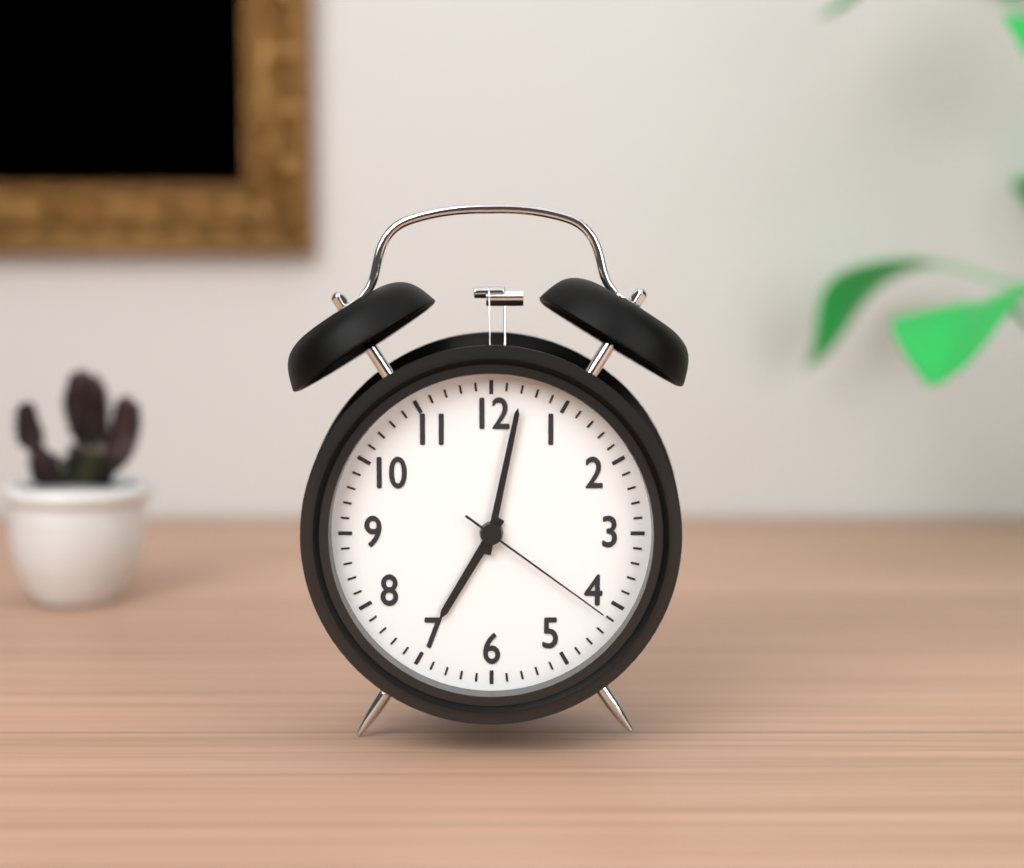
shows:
7,02,21
